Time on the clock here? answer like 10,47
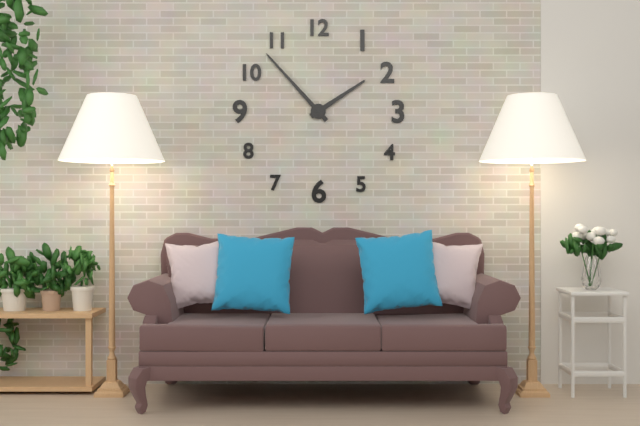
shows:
1,53
